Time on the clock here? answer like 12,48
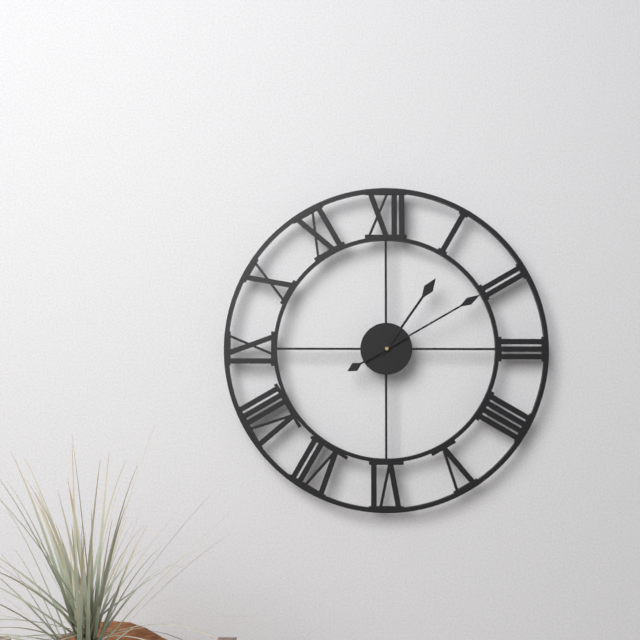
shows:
1,10
